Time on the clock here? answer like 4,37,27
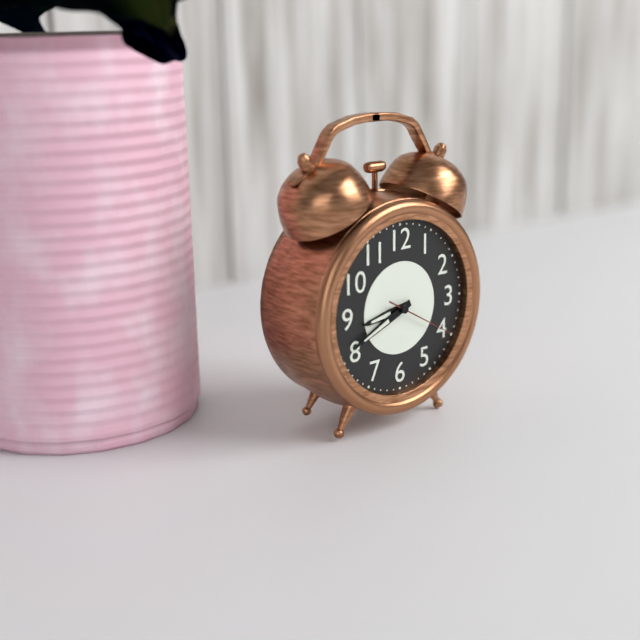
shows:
8,41,20
